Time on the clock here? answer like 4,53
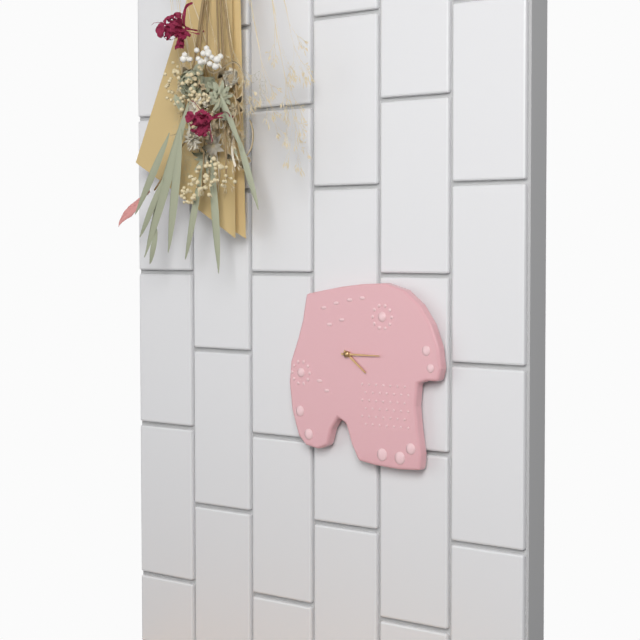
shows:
4,15
